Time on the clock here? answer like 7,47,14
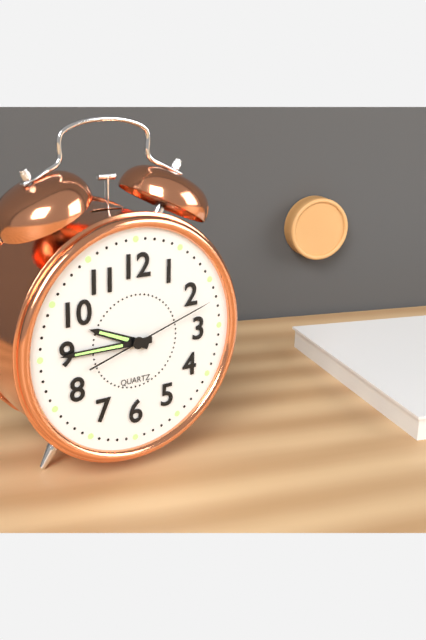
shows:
9,45,12
